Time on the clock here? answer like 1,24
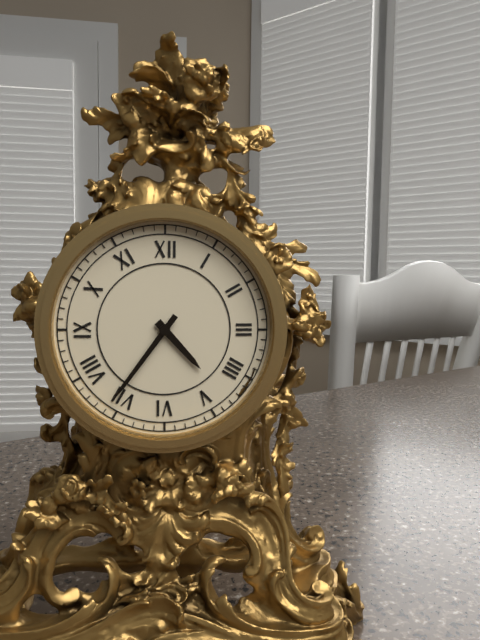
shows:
4,36
